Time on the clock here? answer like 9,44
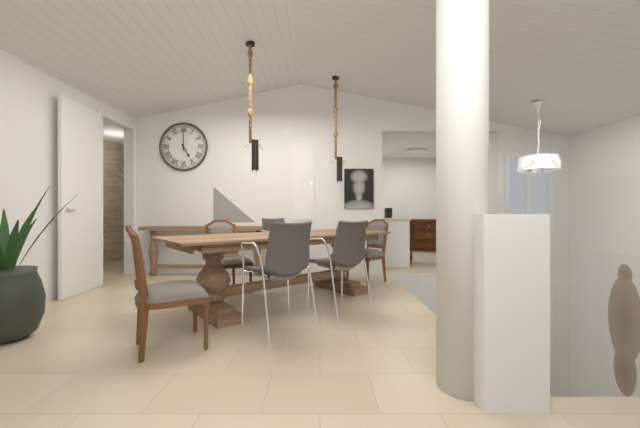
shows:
5,00
